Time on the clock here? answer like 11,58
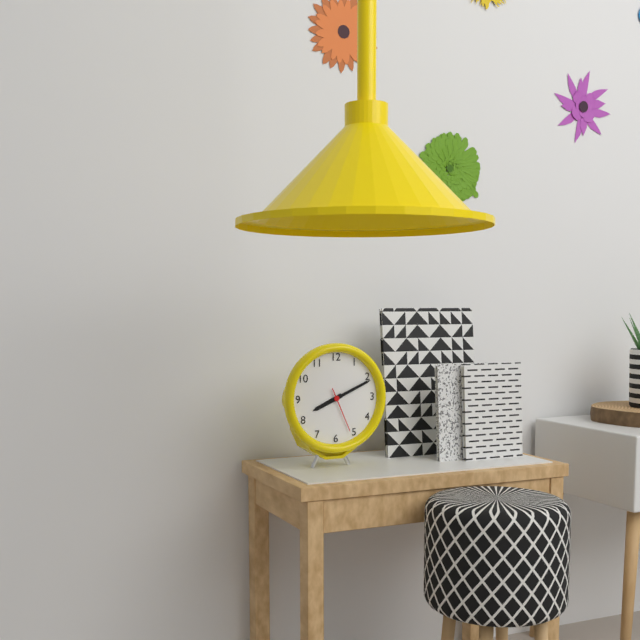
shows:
8,11
